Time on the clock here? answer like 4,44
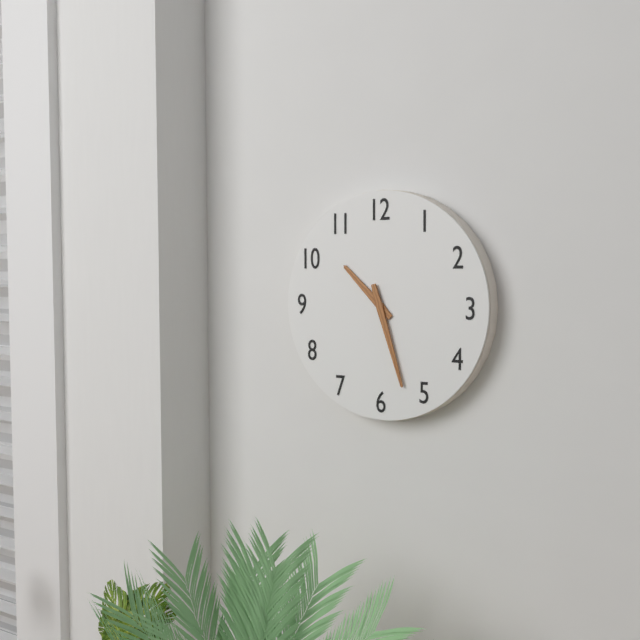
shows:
10,27
